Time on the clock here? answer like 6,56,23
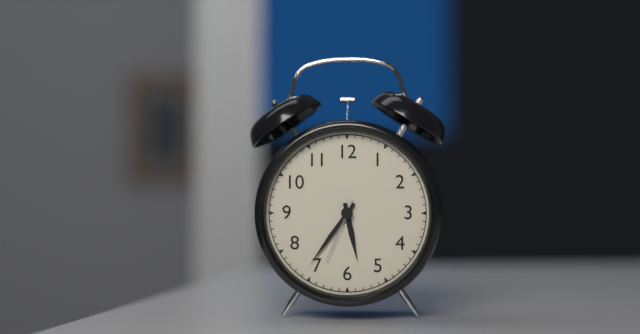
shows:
5,36,34
